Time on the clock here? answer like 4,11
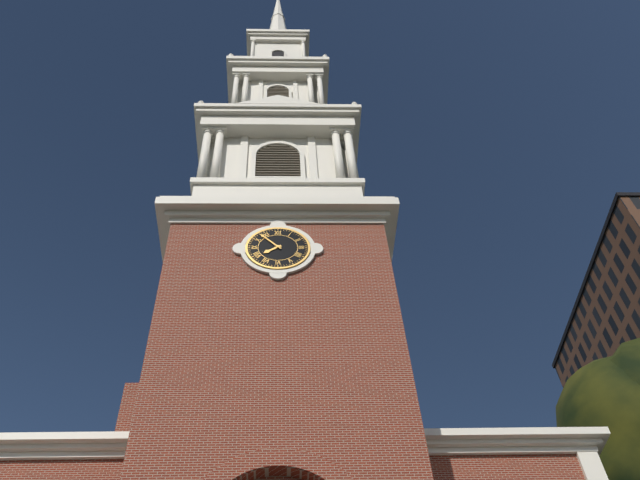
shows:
7,53
